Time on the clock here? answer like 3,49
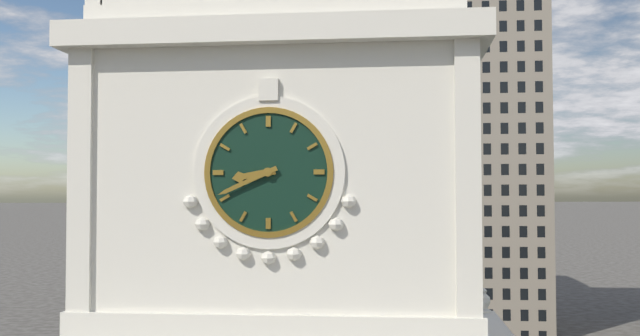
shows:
8,41
